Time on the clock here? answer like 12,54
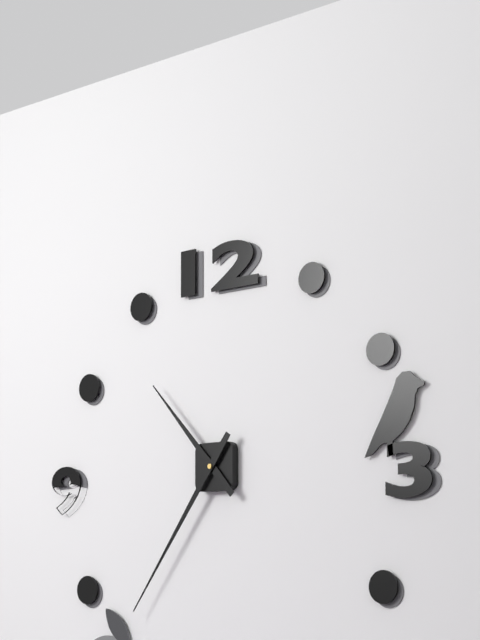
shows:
10,36
